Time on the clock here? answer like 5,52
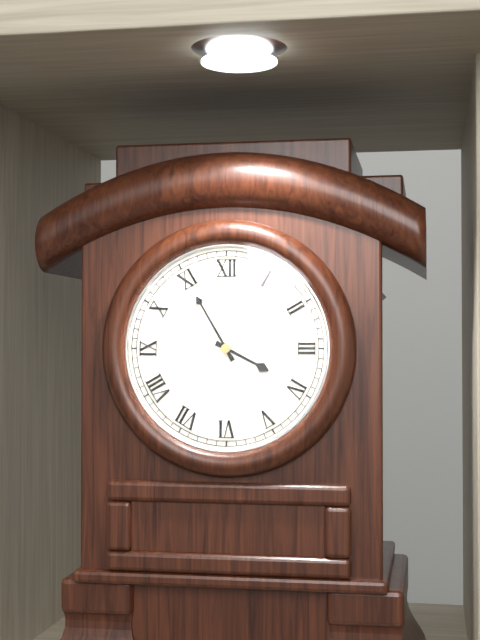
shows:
3,55
